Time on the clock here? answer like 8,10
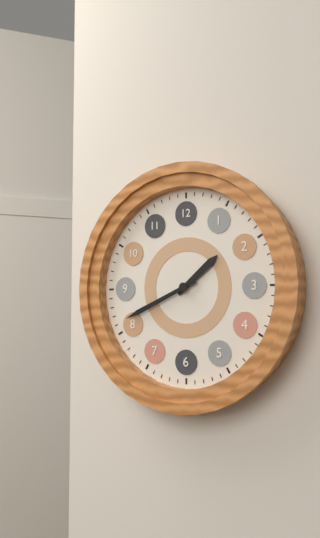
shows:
1,41
